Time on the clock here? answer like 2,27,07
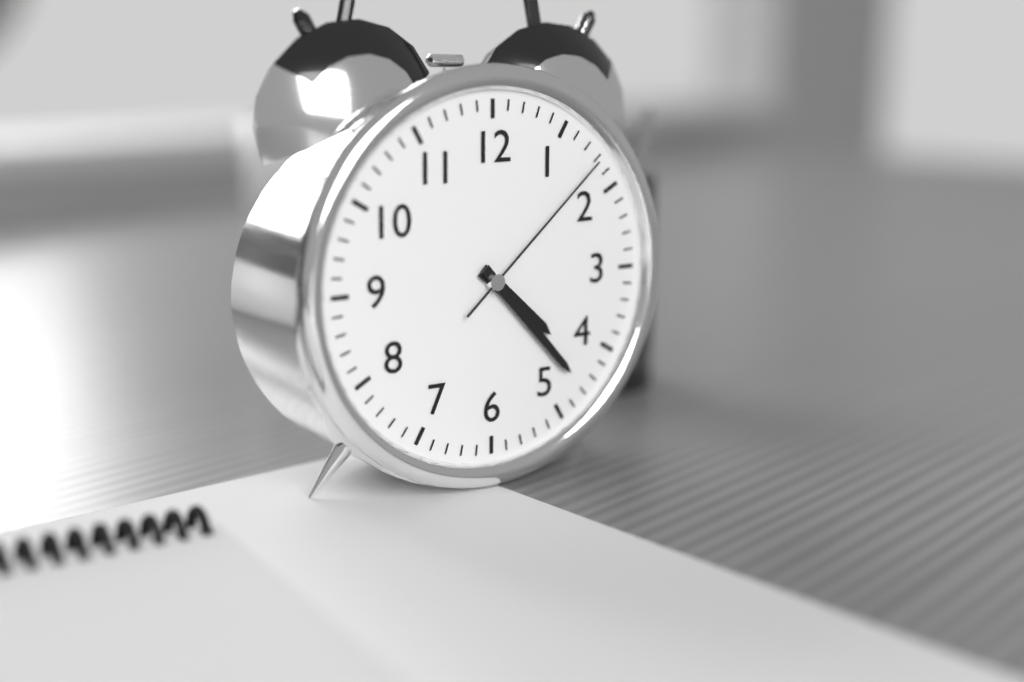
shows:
4,23,08
